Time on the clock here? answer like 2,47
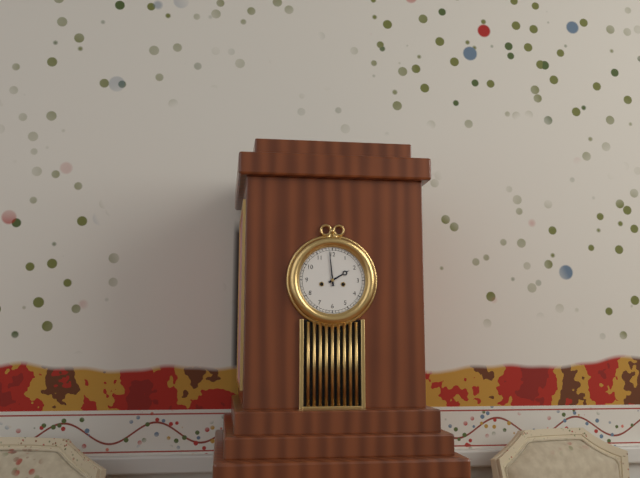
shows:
1,59
